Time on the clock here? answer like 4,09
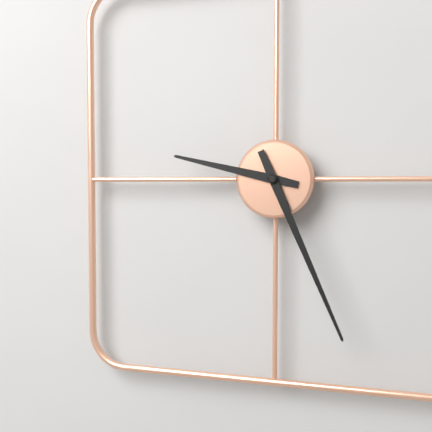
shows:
9,26
